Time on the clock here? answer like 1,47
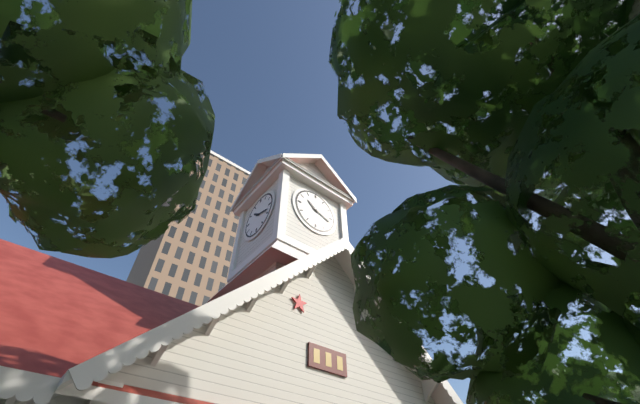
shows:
10,18
